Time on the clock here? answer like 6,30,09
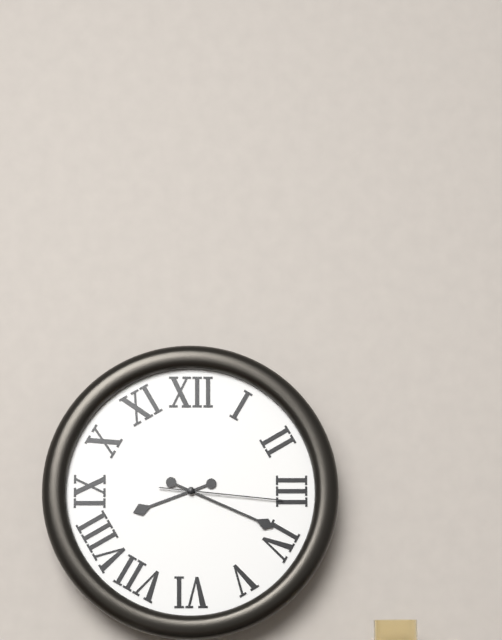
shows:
8,19,16
